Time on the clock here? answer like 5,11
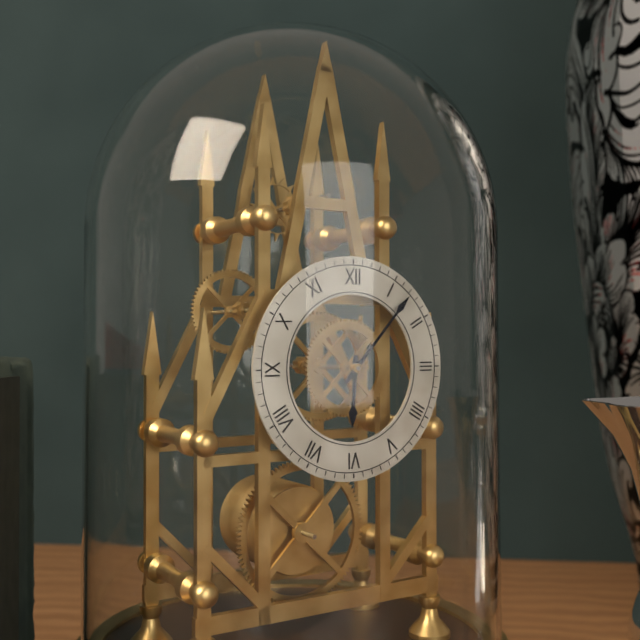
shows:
6,07
